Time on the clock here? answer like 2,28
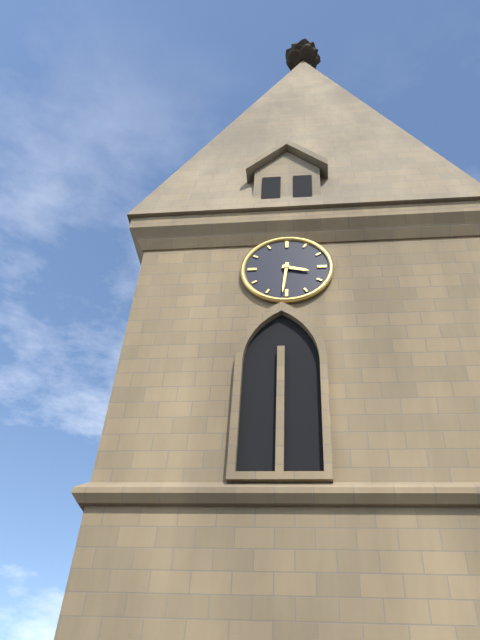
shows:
3,31
